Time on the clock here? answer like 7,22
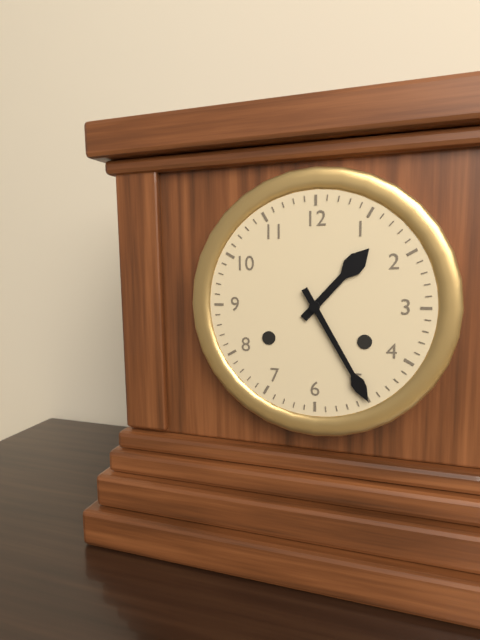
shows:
1,25
